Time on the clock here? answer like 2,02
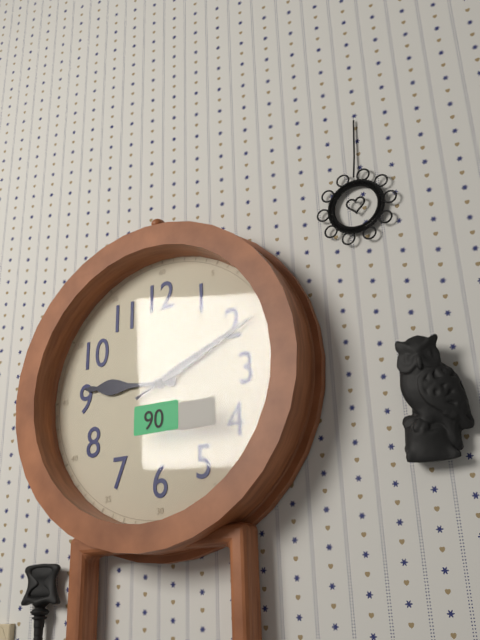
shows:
9,11
